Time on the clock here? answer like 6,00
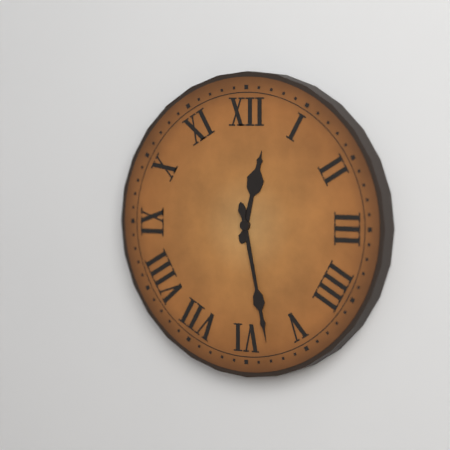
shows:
12,28
